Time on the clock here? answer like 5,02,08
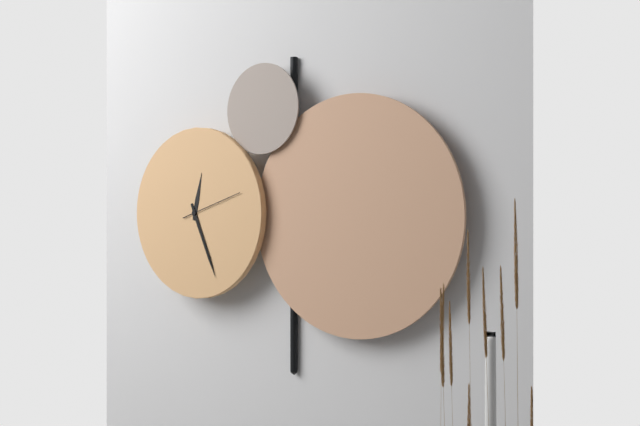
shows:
12,26,12
